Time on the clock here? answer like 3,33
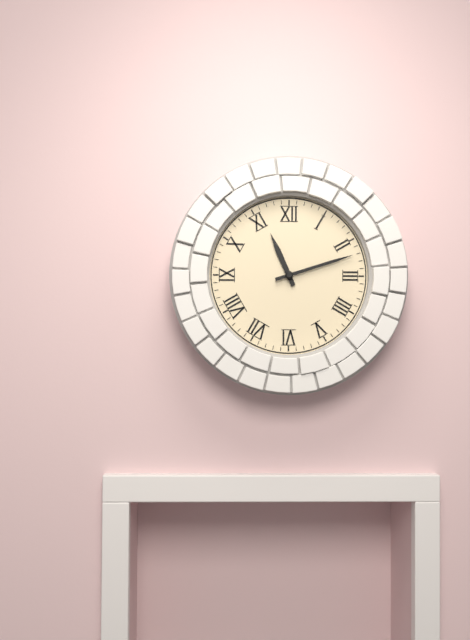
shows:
11,12
